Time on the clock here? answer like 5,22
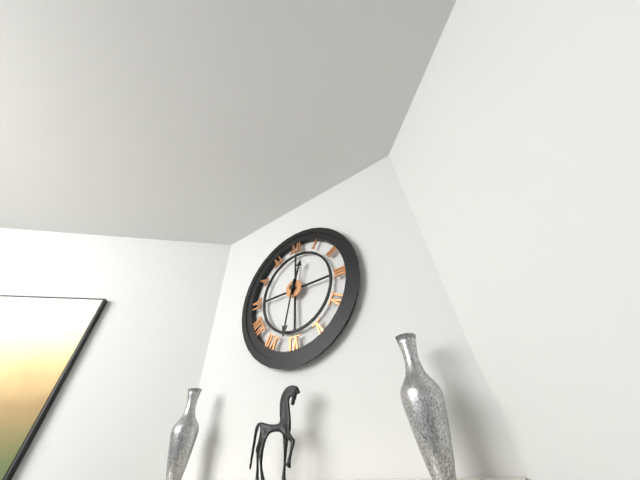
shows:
12,32
